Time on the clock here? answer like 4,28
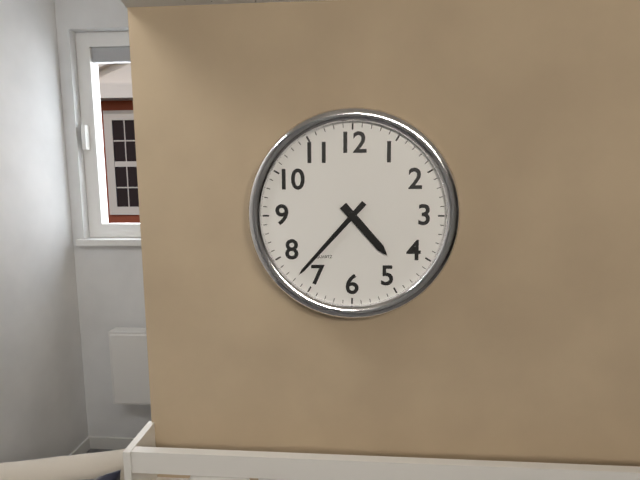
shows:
4,37
